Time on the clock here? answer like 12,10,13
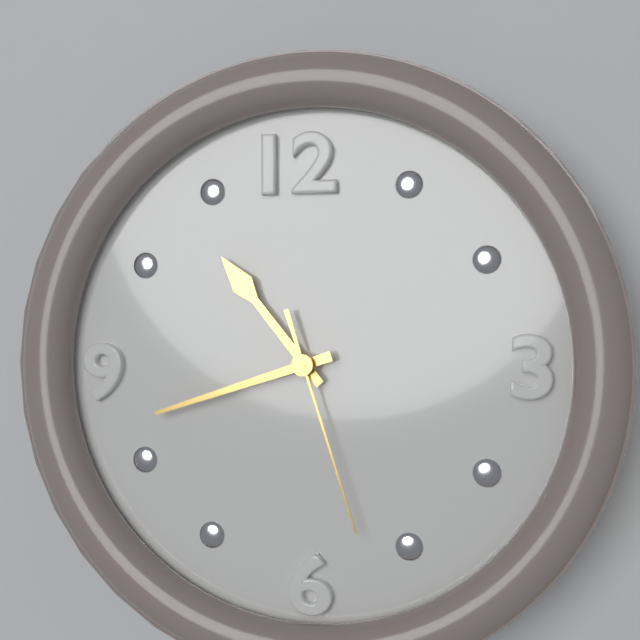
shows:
10,42,27
